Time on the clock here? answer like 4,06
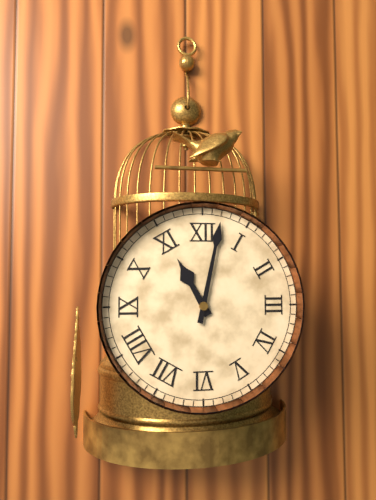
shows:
11,02
